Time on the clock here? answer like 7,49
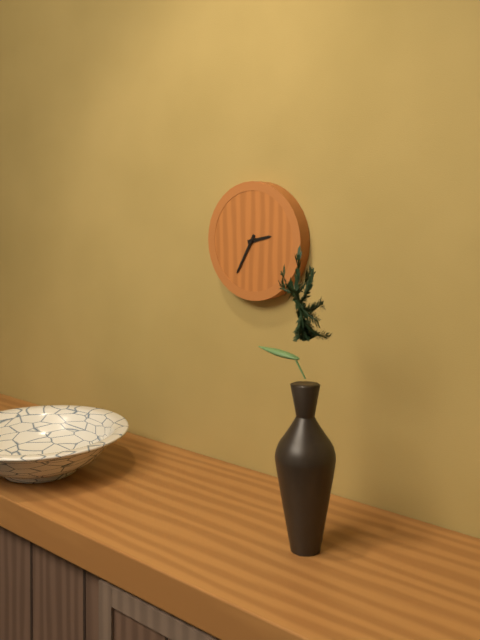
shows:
2,35
